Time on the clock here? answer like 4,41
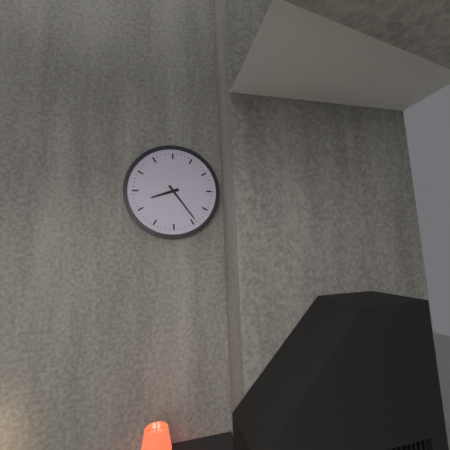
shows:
8,24
